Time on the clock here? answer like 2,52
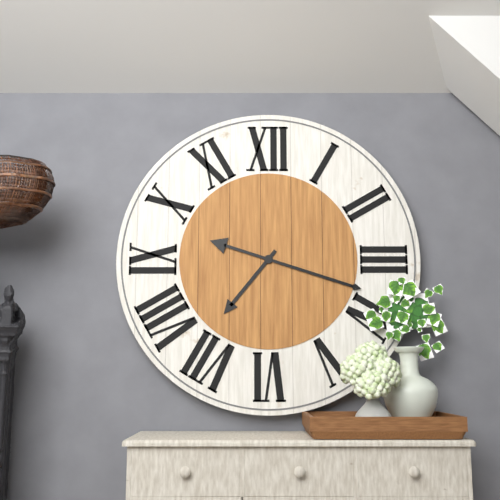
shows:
7,18
